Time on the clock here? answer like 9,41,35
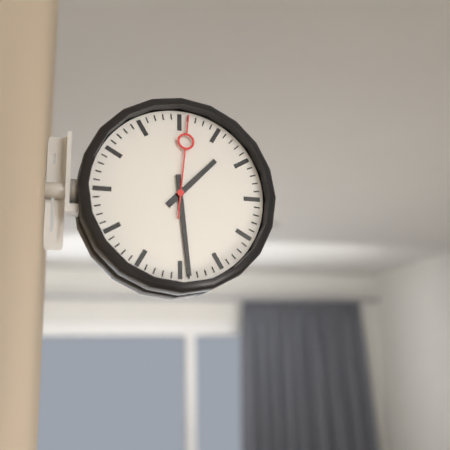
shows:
1,29,01
